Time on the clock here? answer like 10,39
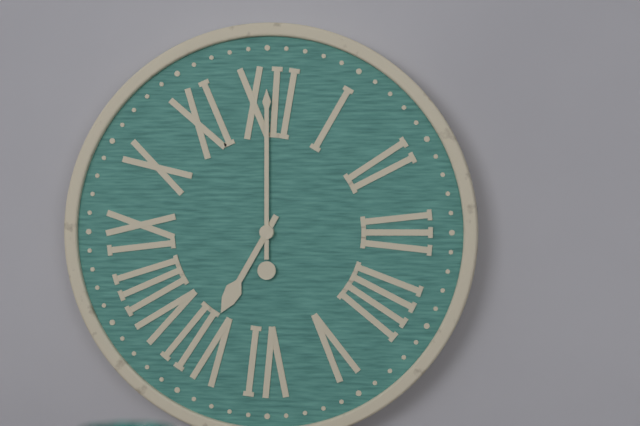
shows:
7,00
